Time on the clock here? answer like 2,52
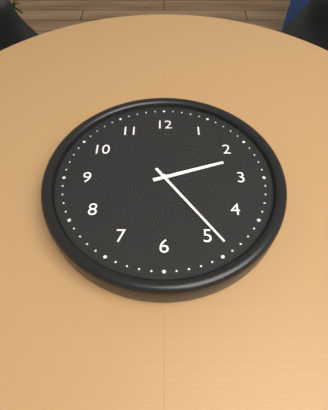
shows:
2,24
